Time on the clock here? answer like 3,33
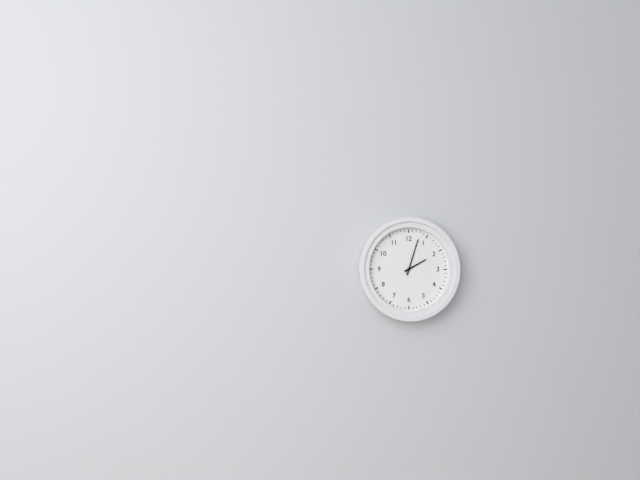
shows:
2,03
